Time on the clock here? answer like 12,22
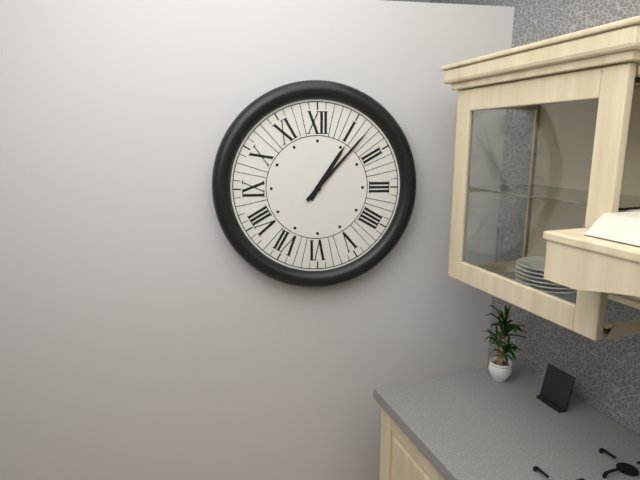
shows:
1,07
